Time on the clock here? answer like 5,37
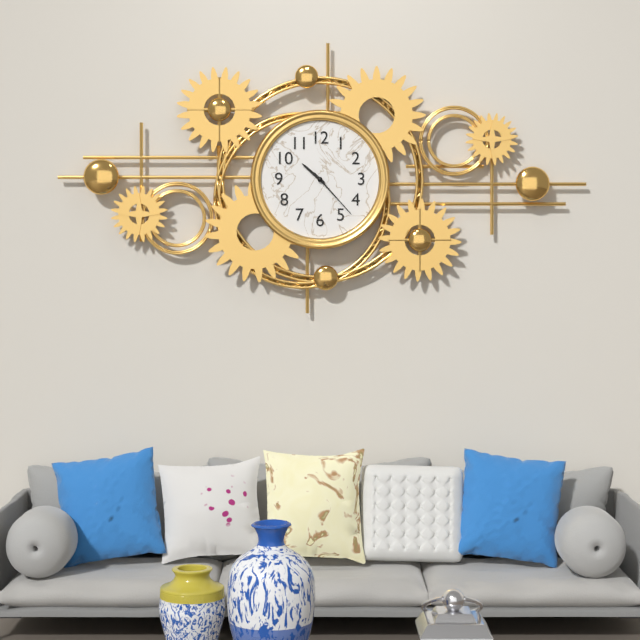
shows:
10,23
